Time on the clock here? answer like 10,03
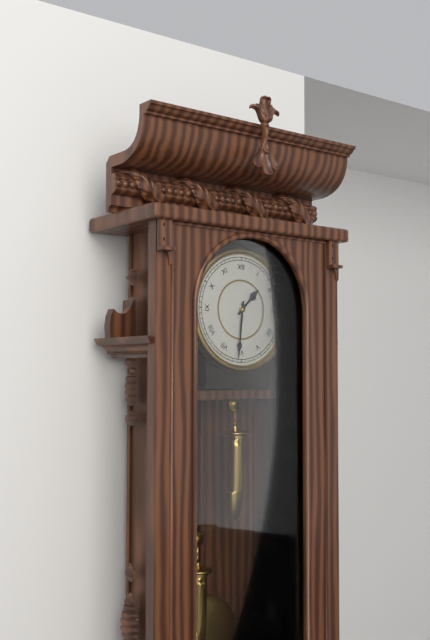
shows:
1,31
